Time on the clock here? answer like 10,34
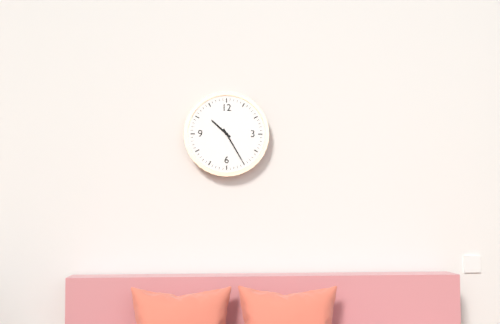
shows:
10,25
